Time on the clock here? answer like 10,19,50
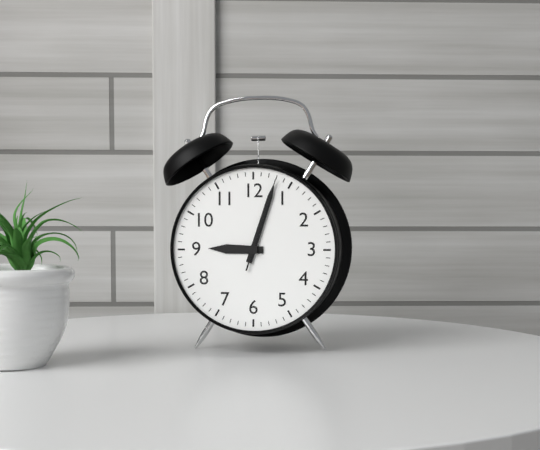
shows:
9,03,03
